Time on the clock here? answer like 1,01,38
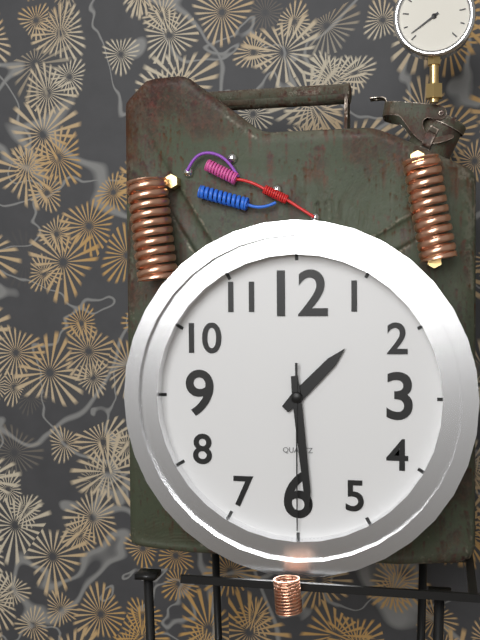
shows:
1,29,30
